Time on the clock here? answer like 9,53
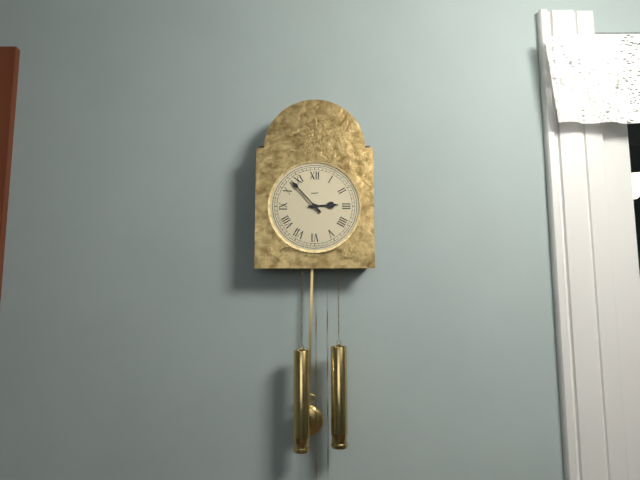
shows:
2,53
